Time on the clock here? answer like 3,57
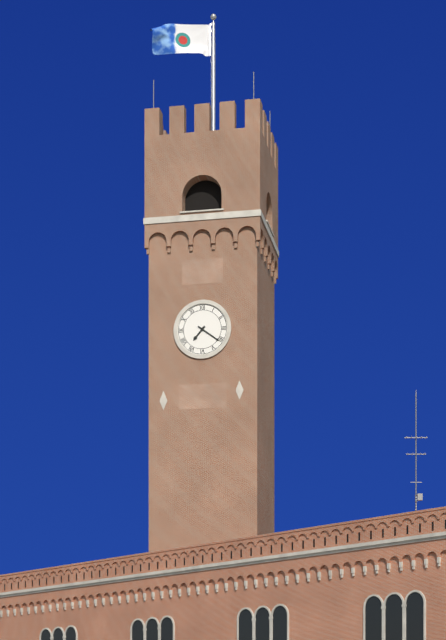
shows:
7,21
